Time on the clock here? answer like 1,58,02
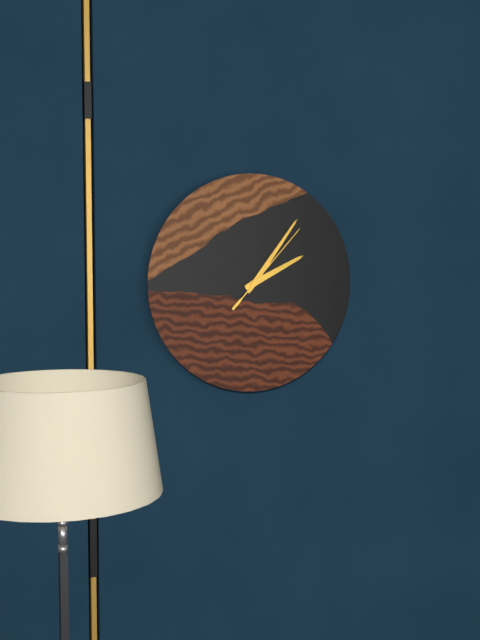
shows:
2,06,07
